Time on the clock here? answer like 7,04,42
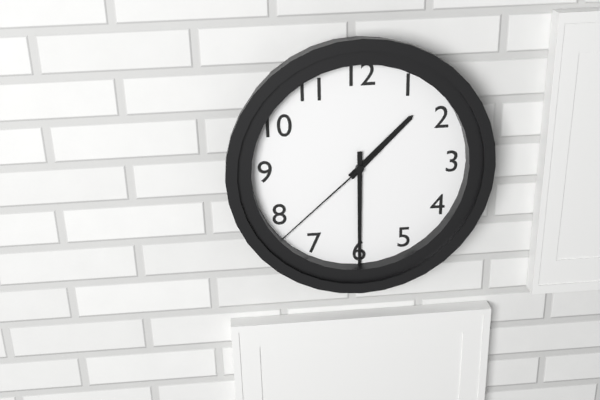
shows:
1,30,38
